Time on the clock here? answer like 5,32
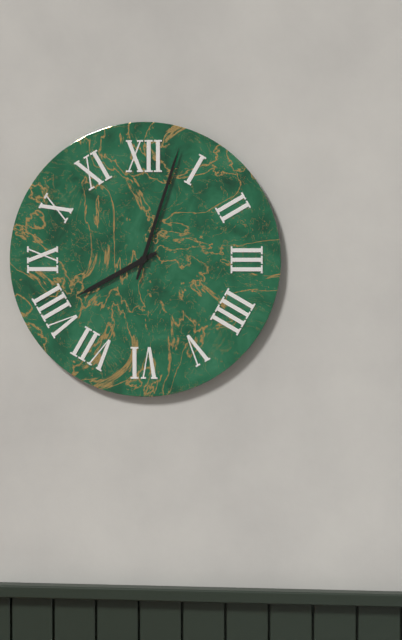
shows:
8,03
